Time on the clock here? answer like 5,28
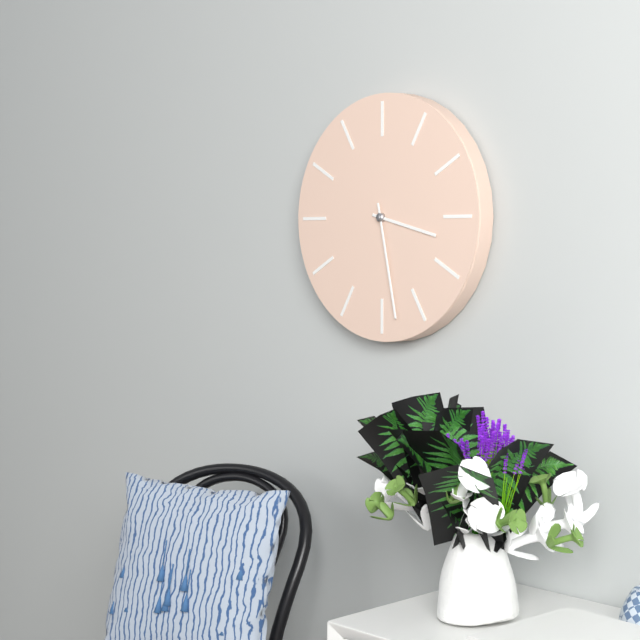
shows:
3,28
